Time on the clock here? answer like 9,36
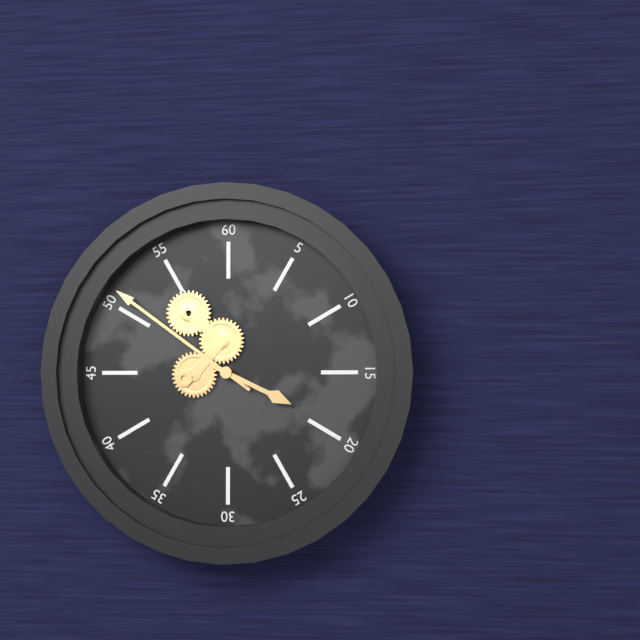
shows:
3,51
